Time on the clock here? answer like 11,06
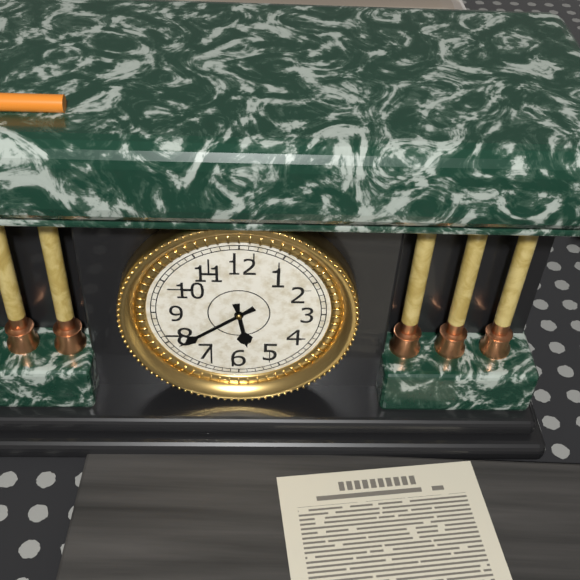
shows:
5,39
